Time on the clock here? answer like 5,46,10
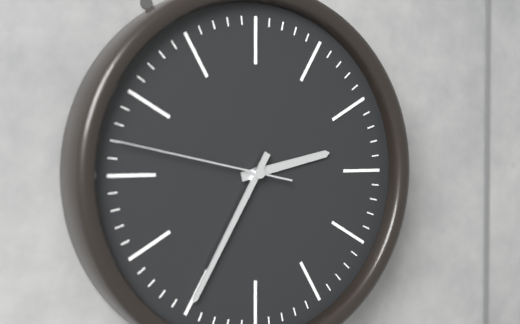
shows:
2,35,47
